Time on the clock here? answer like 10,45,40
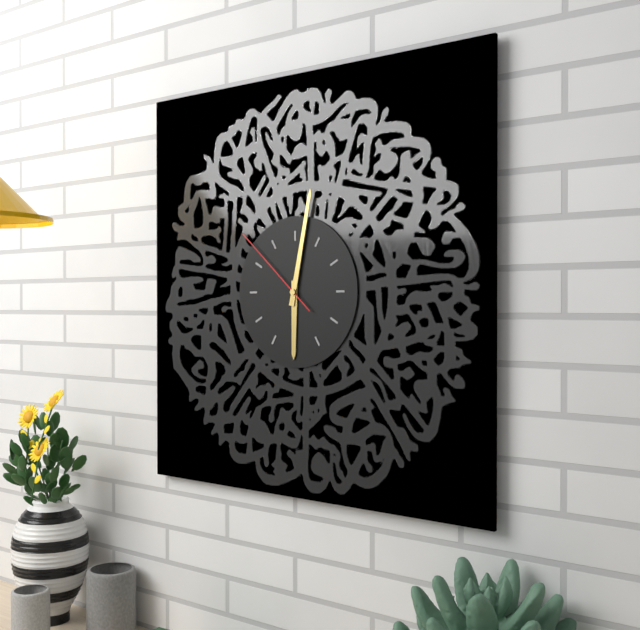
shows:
6,02,52
